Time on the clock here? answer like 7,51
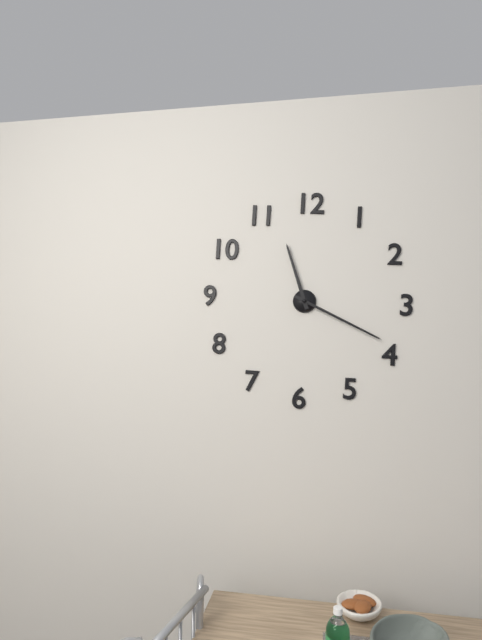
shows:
11,19
